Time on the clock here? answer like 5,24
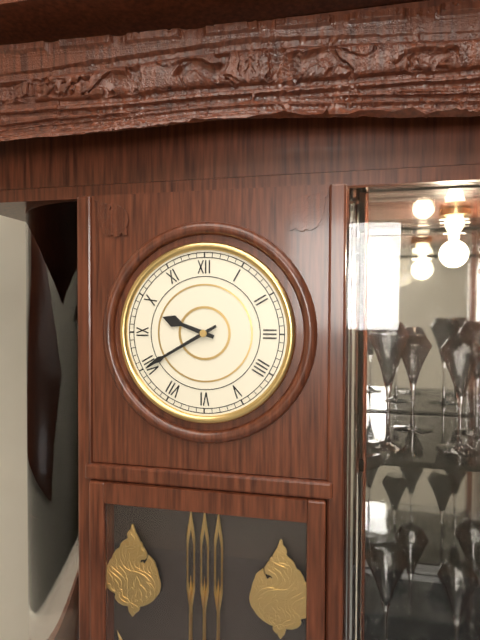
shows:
9,40
